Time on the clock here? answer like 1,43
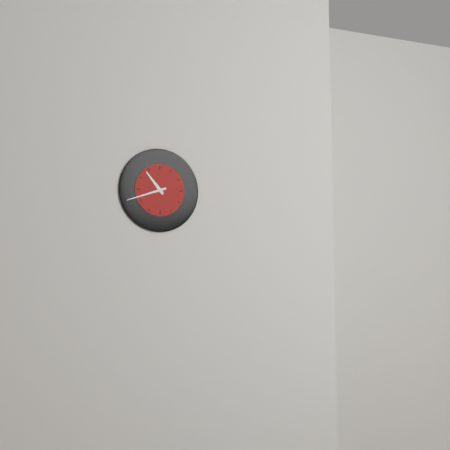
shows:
10,42
